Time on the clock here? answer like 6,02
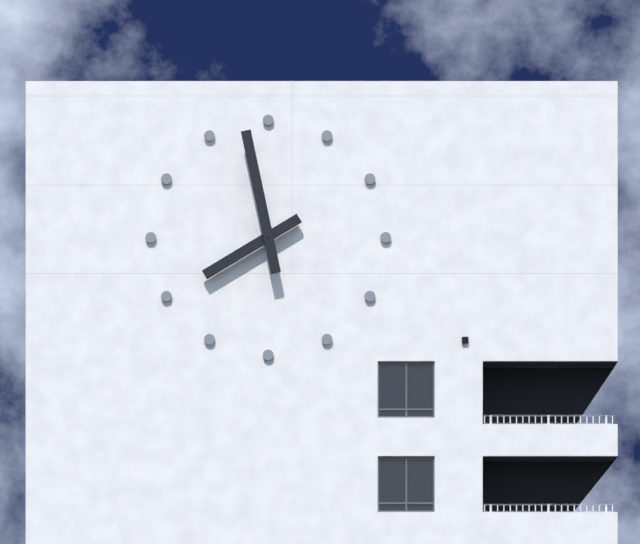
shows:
7,58
